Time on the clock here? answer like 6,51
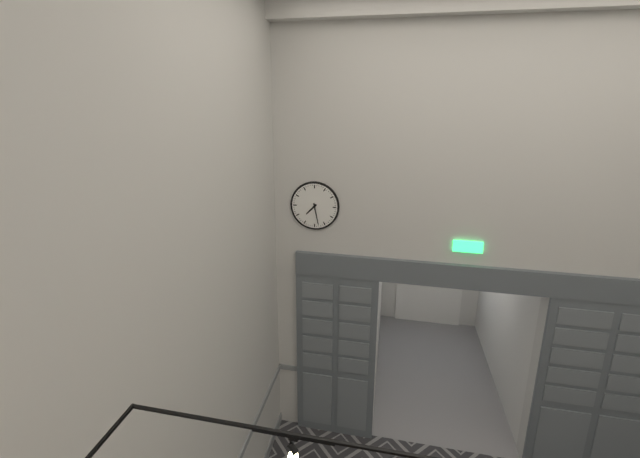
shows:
7,28
